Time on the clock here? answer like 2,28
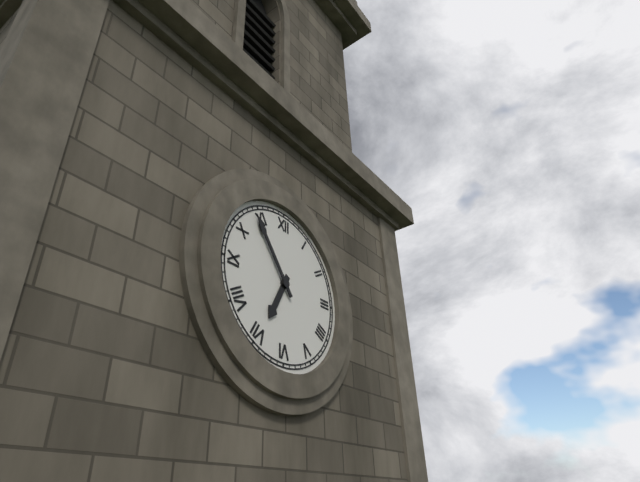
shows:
6,54
